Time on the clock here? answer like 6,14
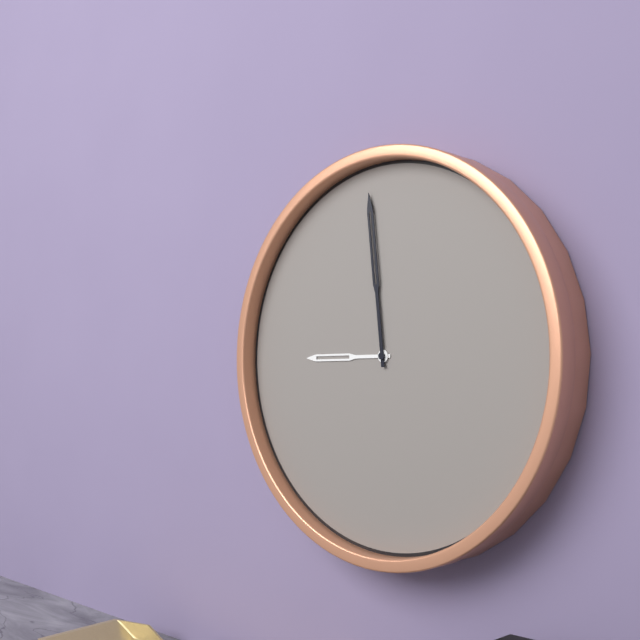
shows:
8,59
